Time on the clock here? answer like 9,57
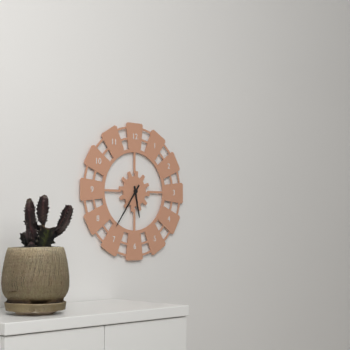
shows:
5,36
